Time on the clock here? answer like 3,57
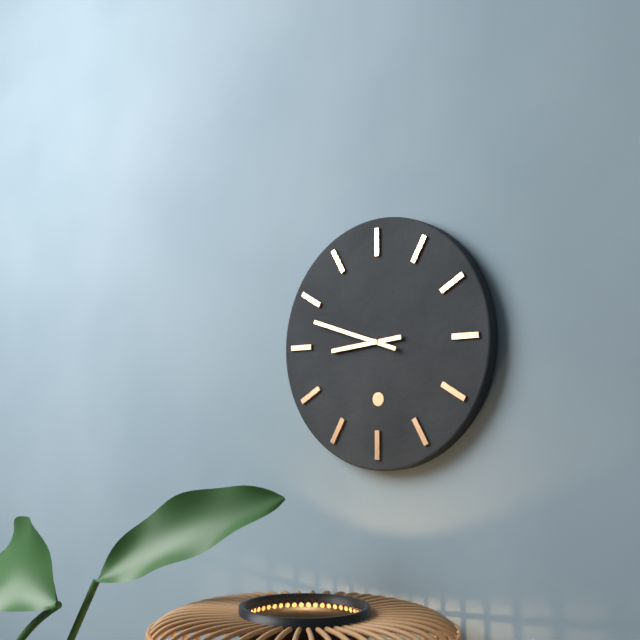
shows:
8,48
